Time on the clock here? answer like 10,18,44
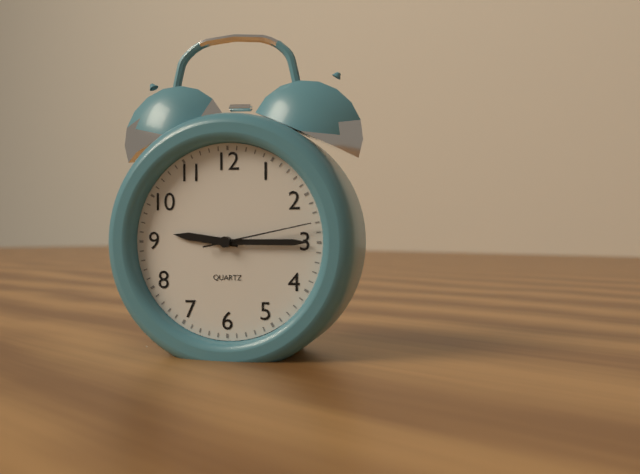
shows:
9,15,13
